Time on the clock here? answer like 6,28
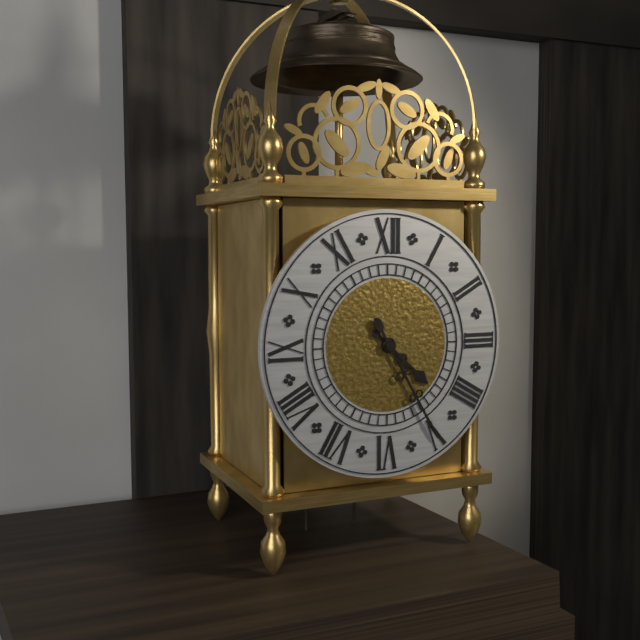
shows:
4,25
